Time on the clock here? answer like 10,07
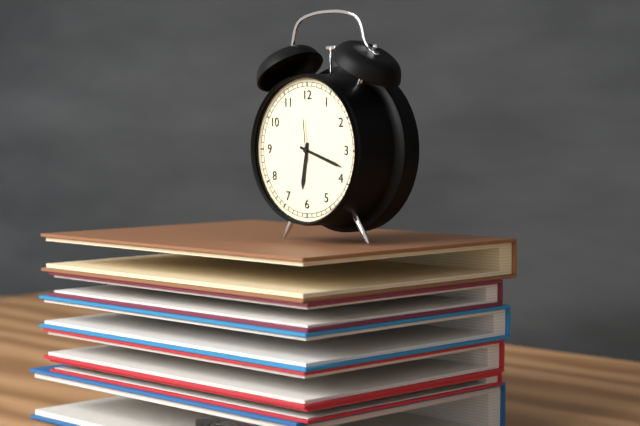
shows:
6,18
